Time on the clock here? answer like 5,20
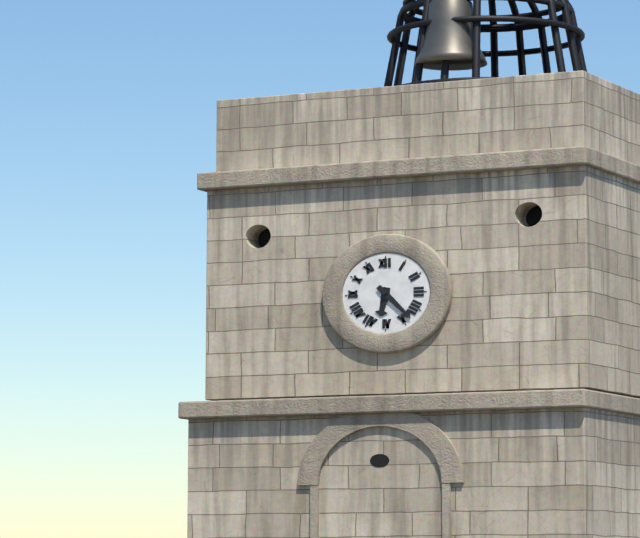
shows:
6,23
